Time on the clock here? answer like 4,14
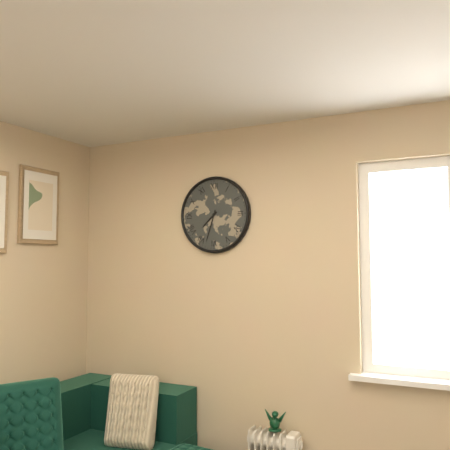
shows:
7,33
